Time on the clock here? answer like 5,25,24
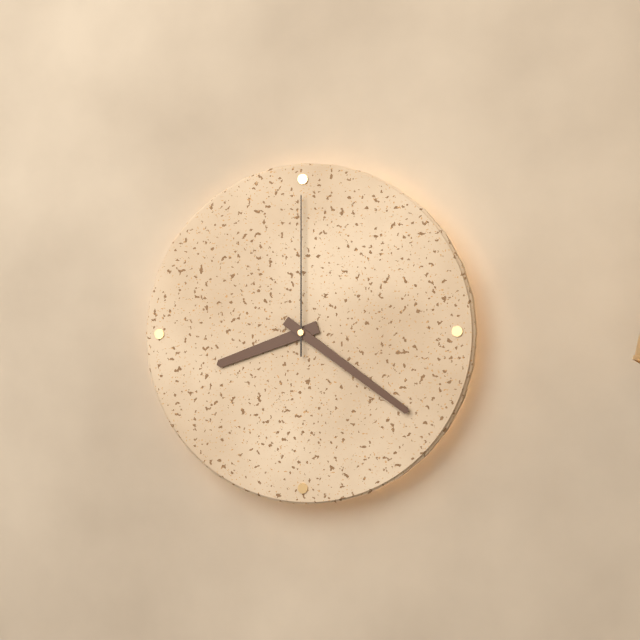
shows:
8,21,00
